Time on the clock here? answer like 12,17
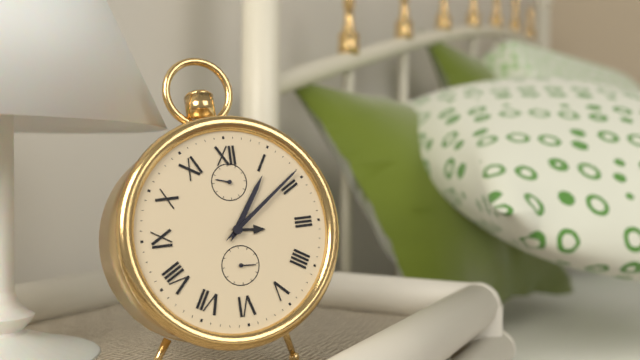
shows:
1,09
